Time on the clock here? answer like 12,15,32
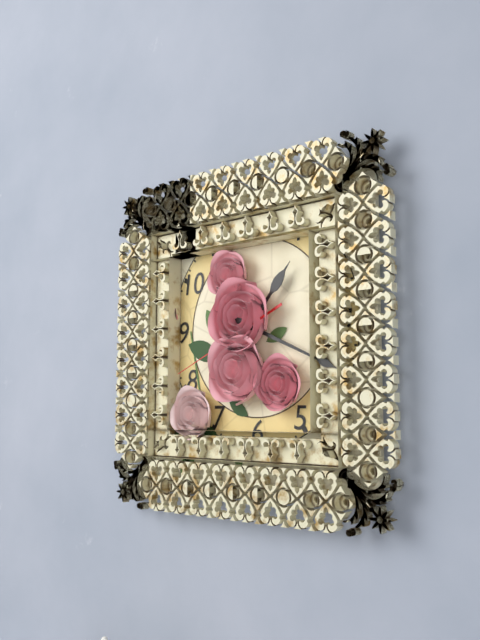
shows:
1,19,41
